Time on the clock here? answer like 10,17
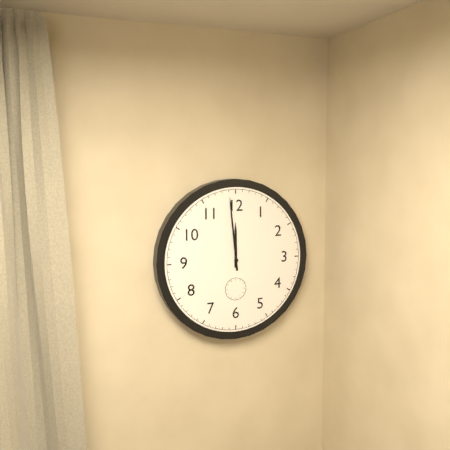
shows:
11,59
